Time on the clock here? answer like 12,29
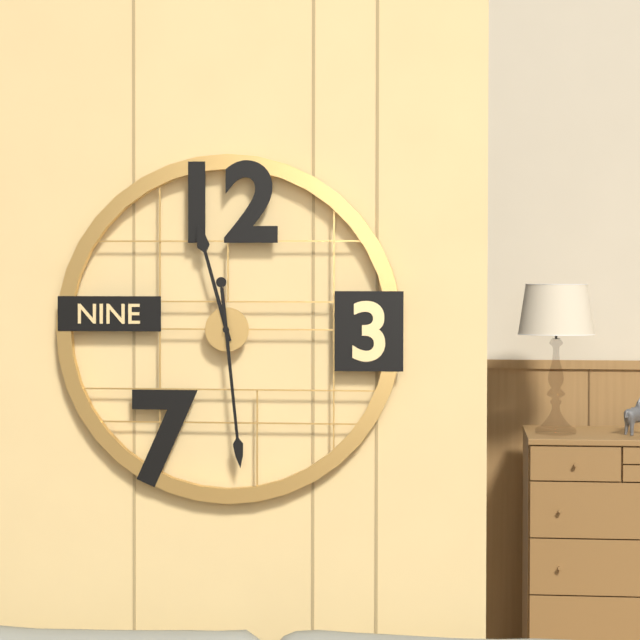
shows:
11,29
